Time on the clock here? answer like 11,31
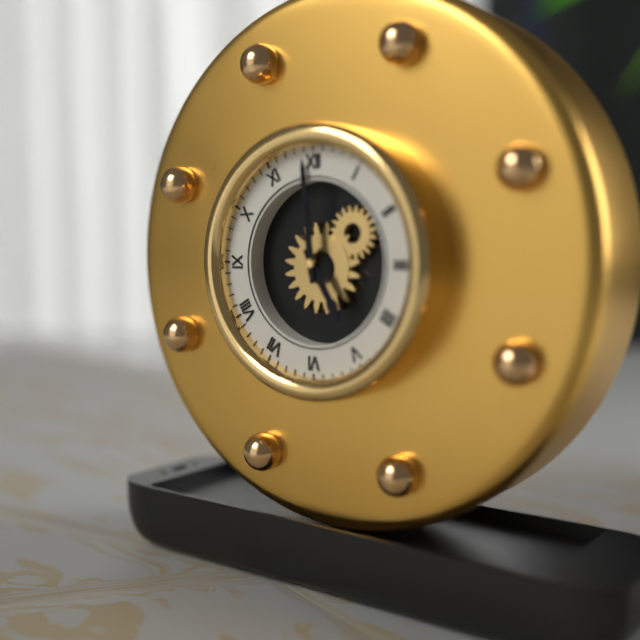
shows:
4,59
